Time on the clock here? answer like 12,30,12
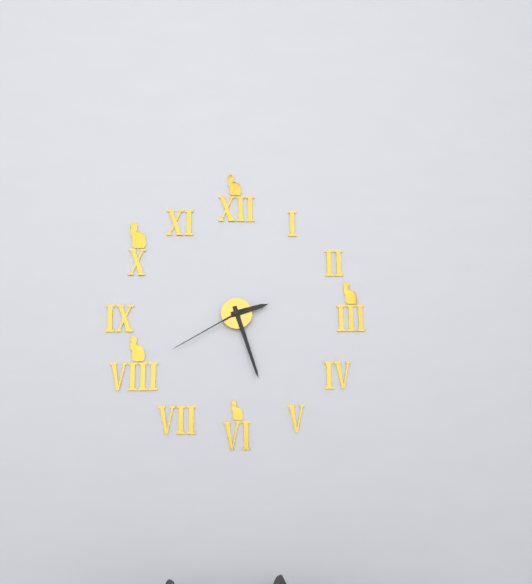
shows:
2,27,40
